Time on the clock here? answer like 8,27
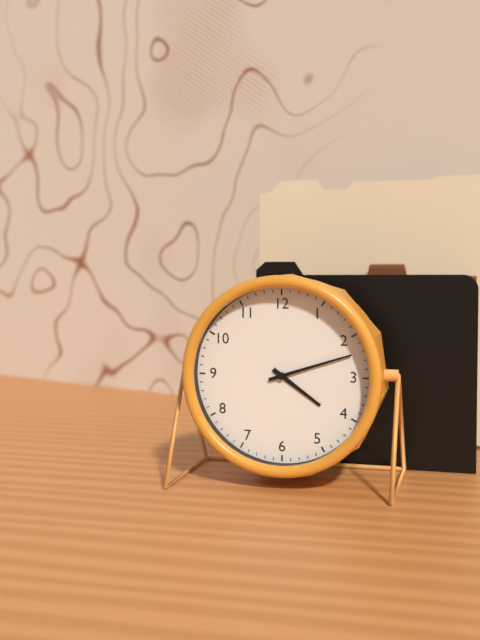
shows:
4,12
